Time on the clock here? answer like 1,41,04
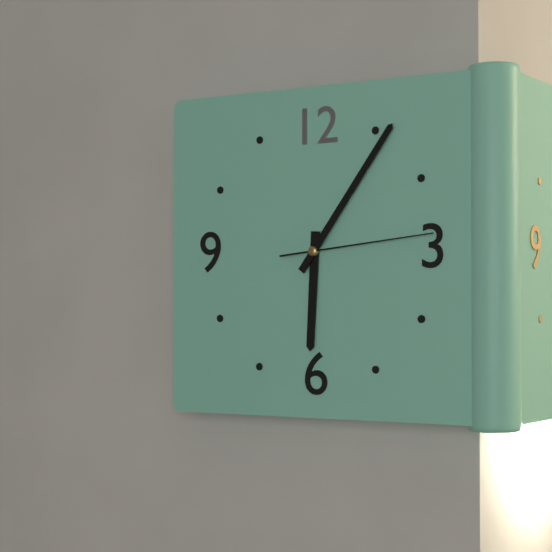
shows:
6,06,14
